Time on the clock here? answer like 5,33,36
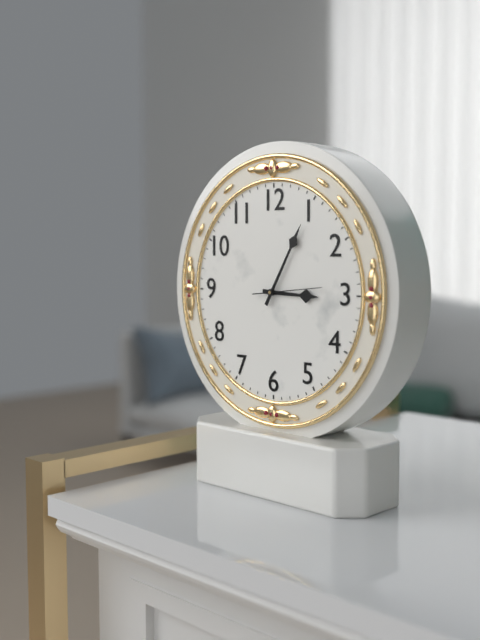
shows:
3,05,14
